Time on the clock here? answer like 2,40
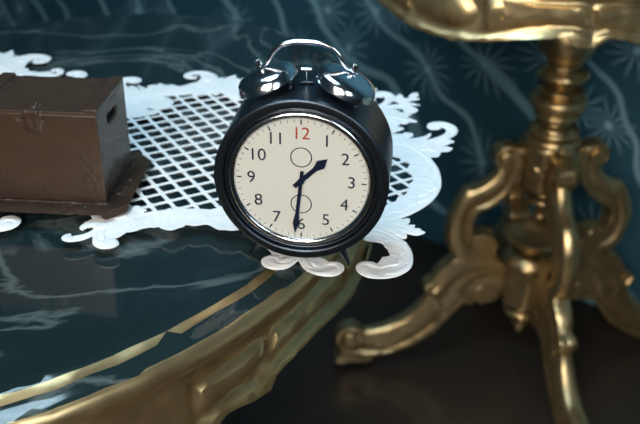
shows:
1,31
